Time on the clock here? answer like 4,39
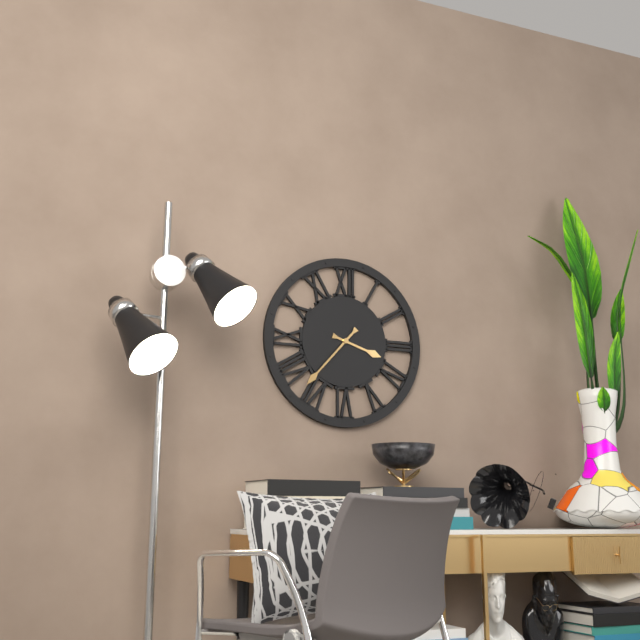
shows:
3,37
